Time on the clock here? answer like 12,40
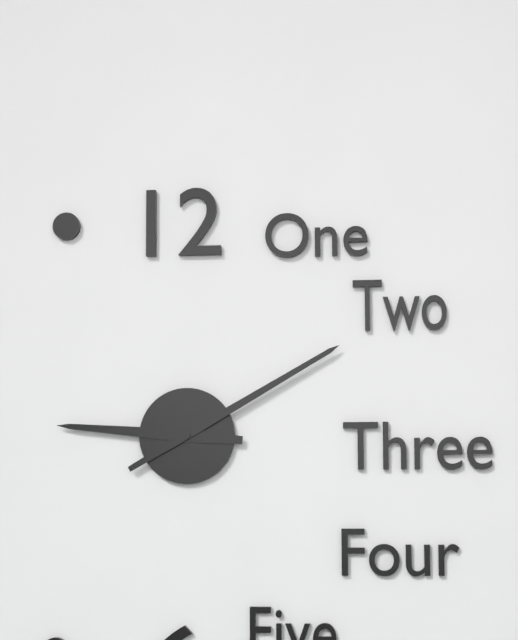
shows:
9,10
